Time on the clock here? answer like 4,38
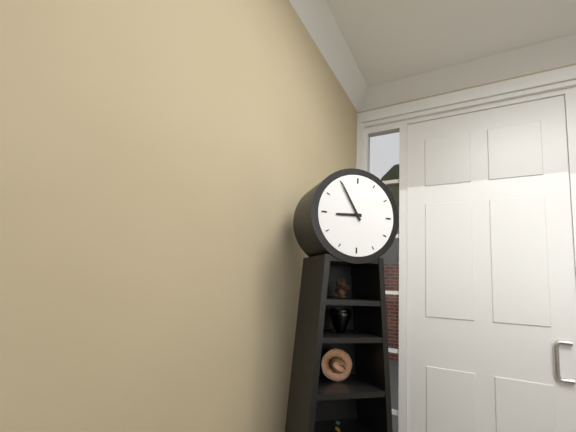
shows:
8,55
